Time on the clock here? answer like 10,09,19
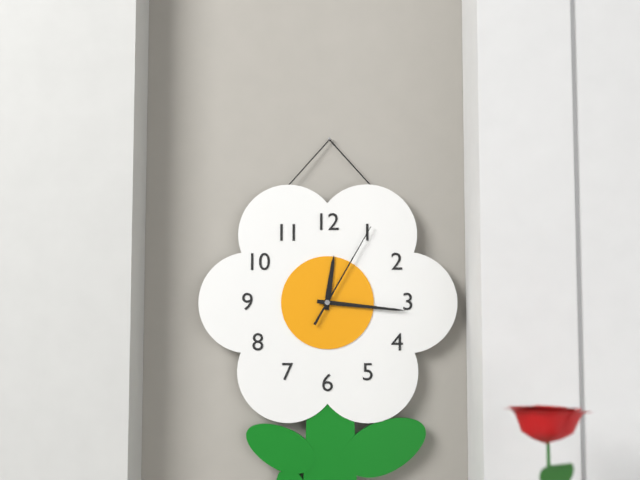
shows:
12,16,05
